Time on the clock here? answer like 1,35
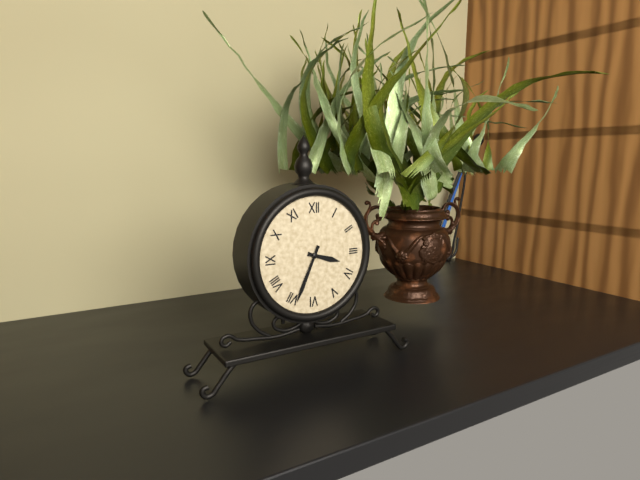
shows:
3,34
